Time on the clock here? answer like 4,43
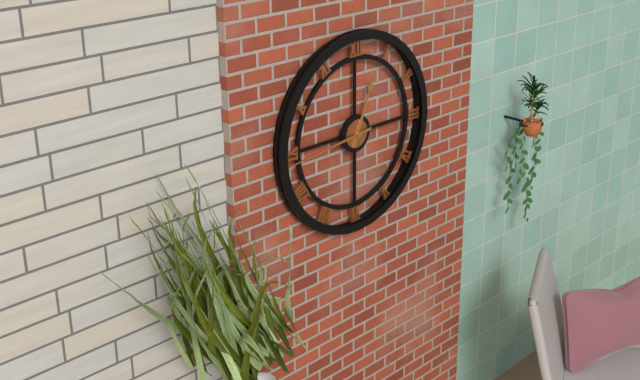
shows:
12,44
